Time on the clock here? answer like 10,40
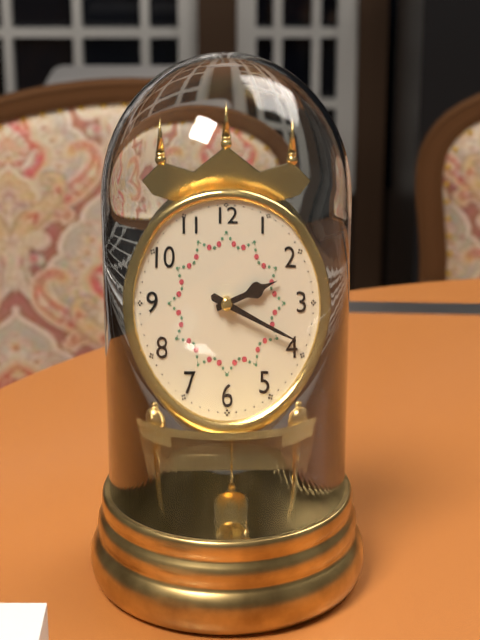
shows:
2,19
